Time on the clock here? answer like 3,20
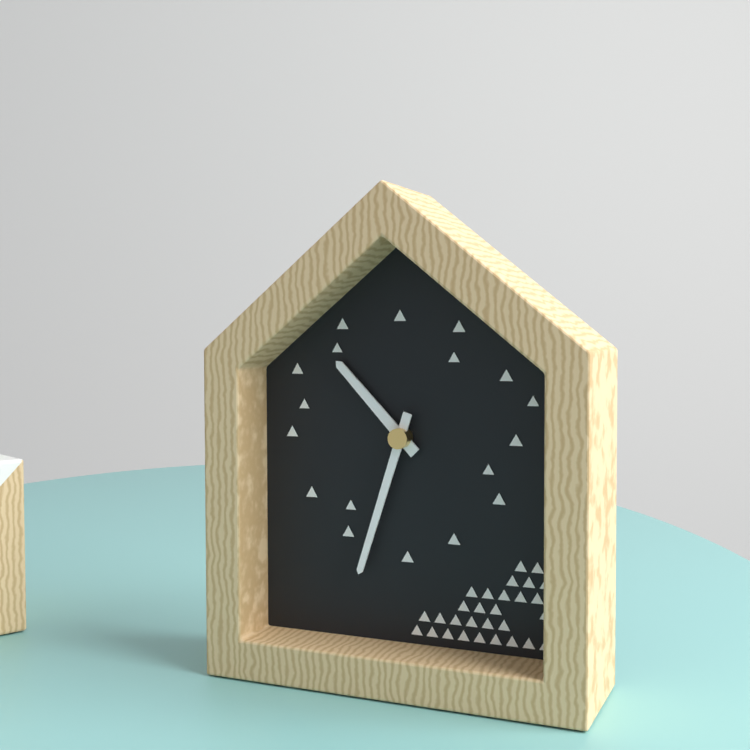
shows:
10,33
